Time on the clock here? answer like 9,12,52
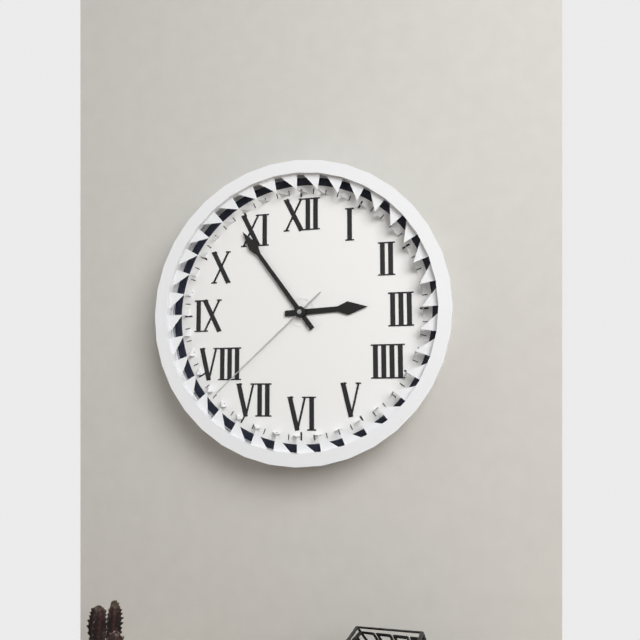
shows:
2,54,38
